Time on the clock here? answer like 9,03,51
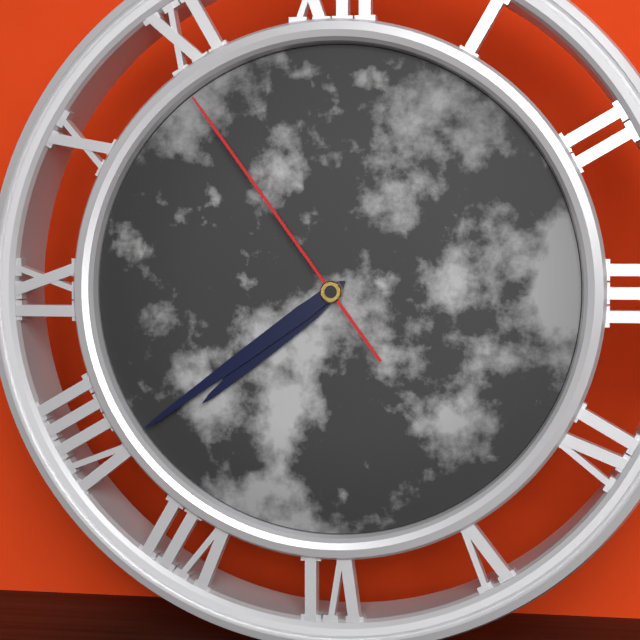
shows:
7,39,54
